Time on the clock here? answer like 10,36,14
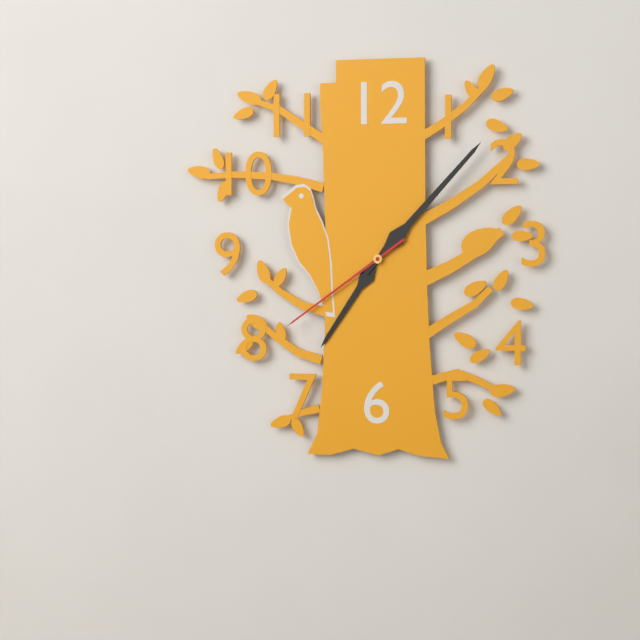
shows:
7,07,39
